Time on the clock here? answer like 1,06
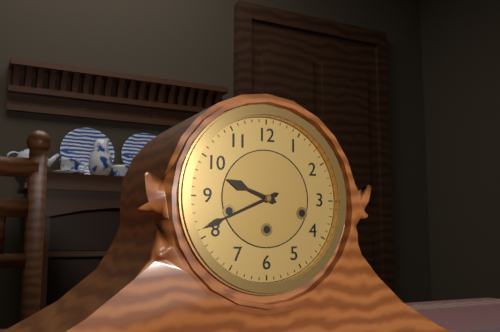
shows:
9,41
